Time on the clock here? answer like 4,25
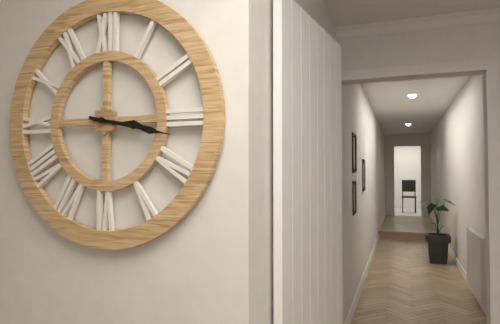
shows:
3,17
